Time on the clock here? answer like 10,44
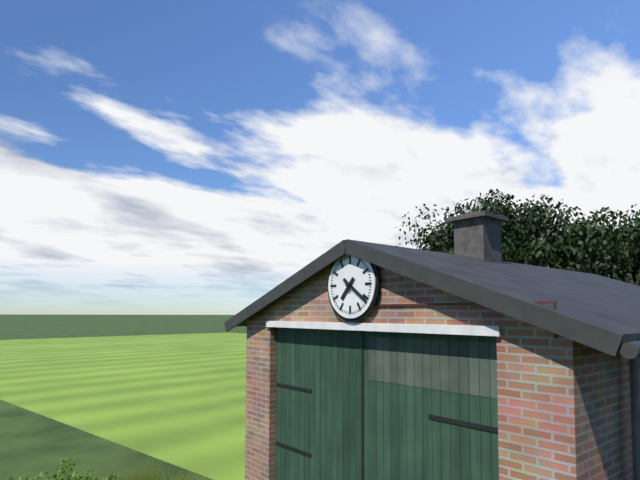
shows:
7,21
